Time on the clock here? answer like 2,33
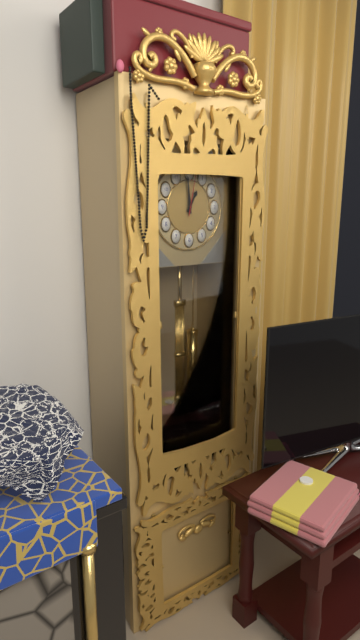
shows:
12,59
